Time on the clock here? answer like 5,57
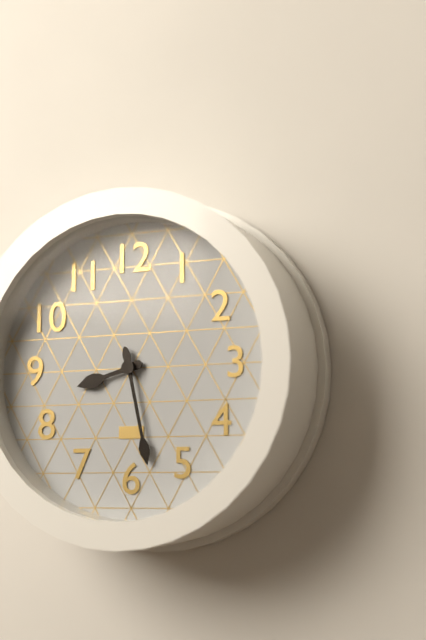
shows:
8,28
